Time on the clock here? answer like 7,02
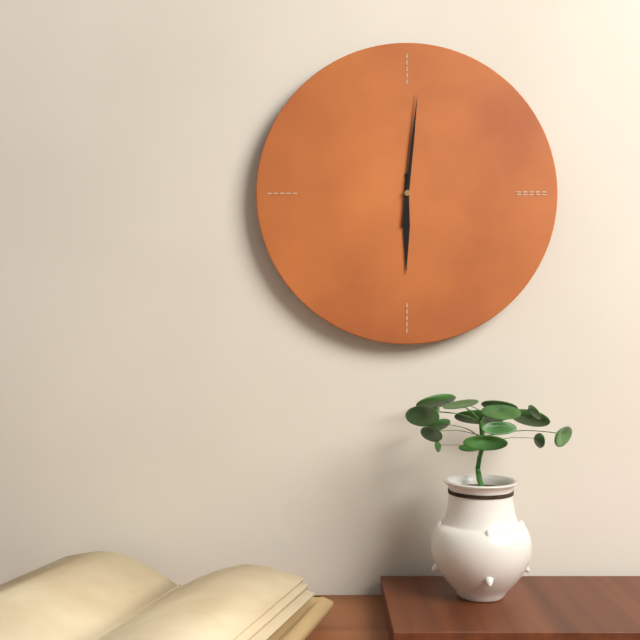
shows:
6,01
